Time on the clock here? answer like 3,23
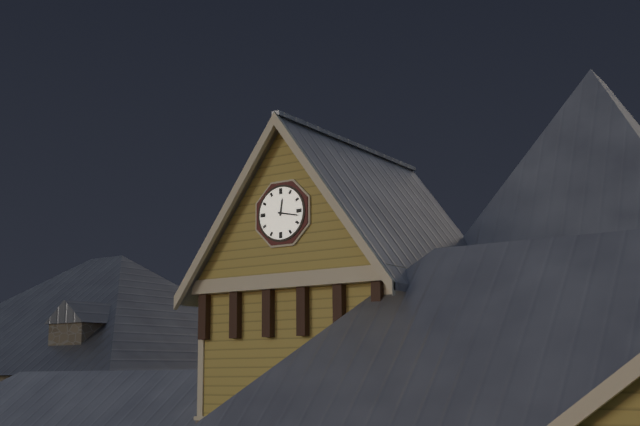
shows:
12,17
